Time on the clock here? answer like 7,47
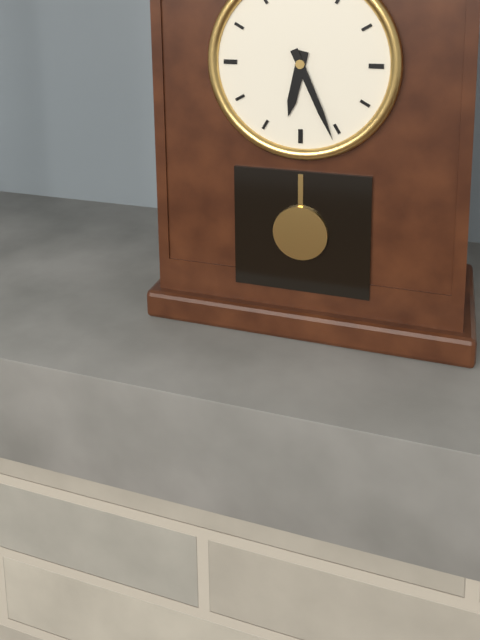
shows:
6,26
